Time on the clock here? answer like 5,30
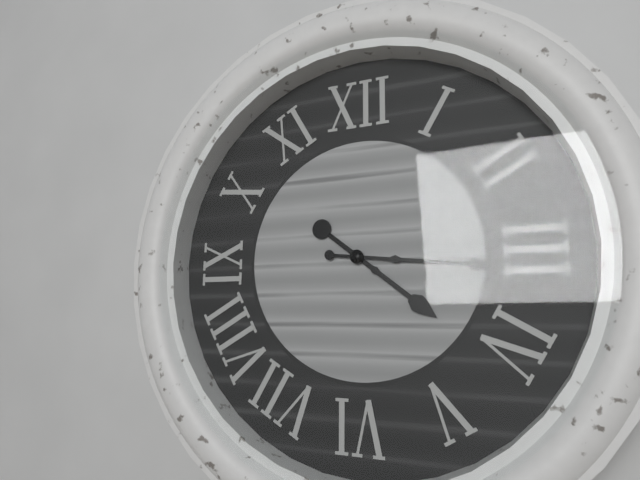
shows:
4,16
